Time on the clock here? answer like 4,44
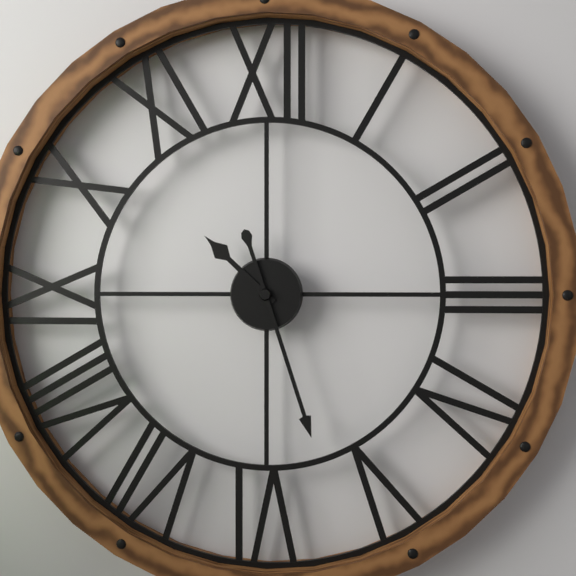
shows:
10,27
